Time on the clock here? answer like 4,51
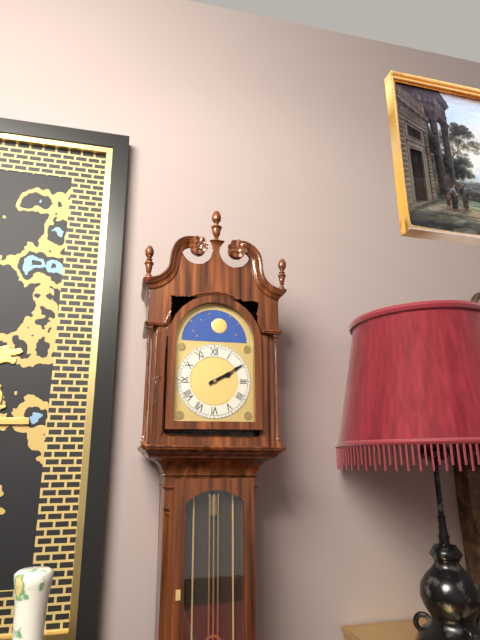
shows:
2,10
